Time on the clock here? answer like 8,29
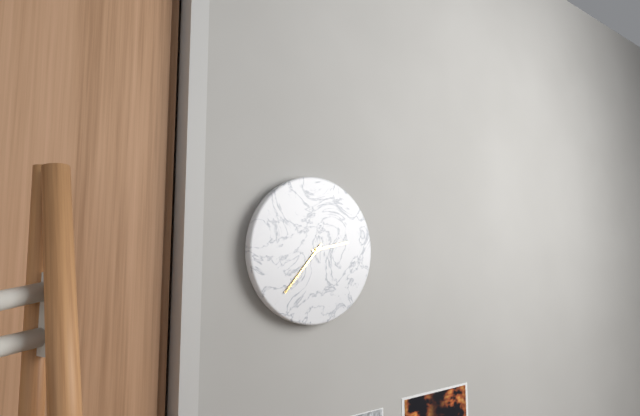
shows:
2,37
